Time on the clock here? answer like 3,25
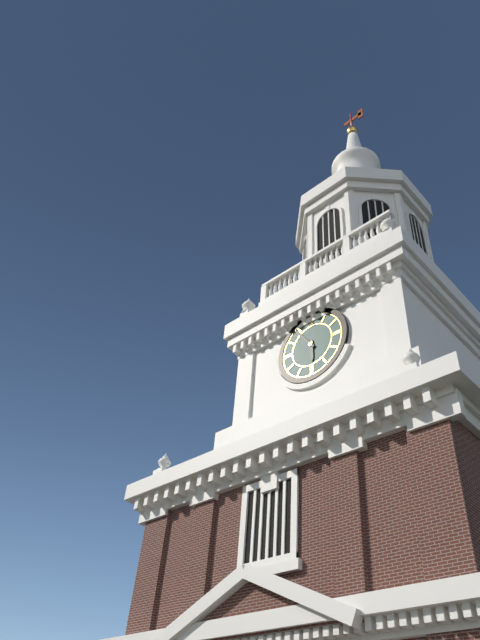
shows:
5,54
